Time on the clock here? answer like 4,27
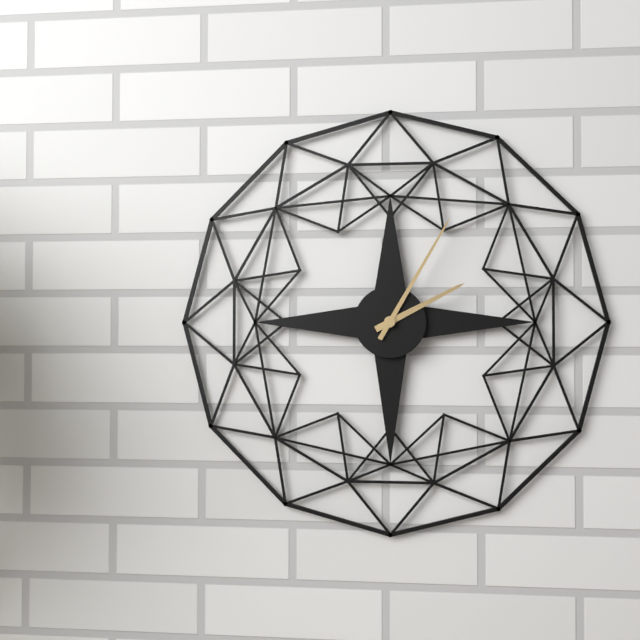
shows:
2,05
